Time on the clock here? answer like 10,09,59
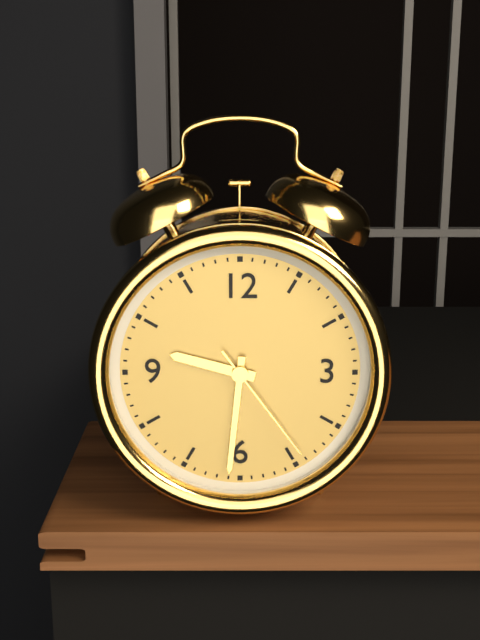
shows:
9,31,24
